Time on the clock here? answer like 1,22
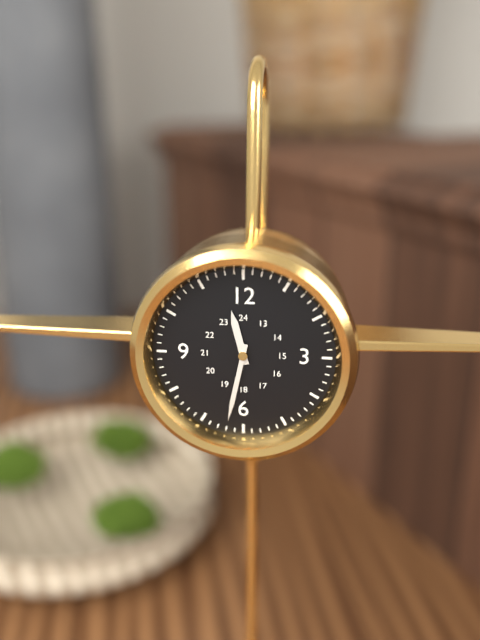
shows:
11,32
